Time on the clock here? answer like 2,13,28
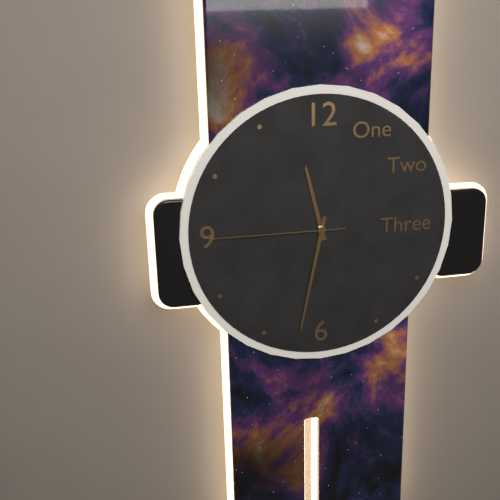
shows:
11,32,45
